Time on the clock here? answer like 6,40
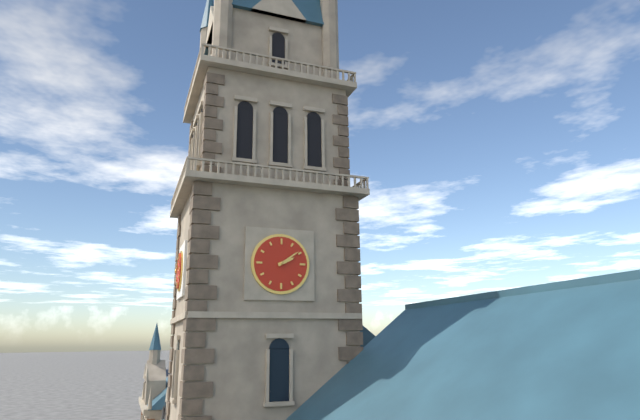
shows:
2,09
